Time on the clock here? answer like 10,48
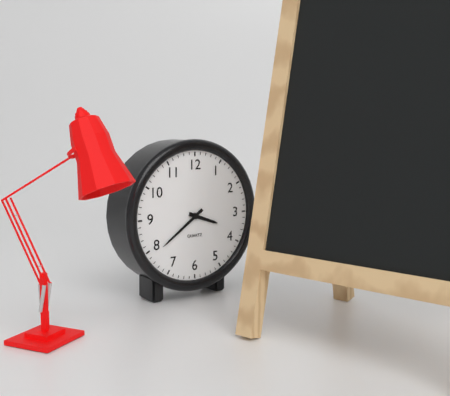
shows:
3,39
